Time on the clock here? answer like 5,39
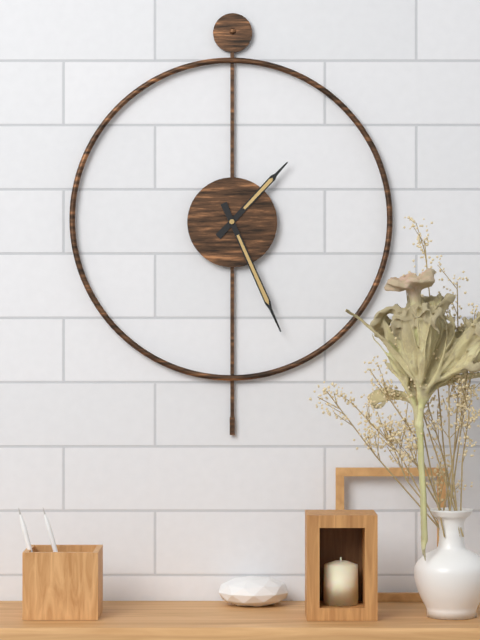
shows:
1,26
